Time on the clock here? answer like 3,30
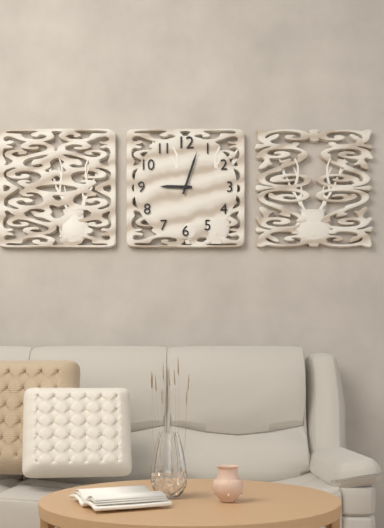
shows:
9,03
